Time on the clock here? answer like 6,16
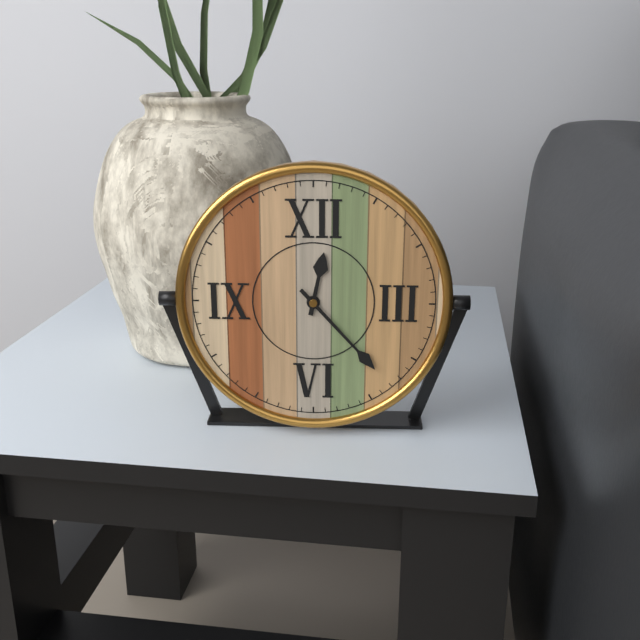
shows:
12,23
